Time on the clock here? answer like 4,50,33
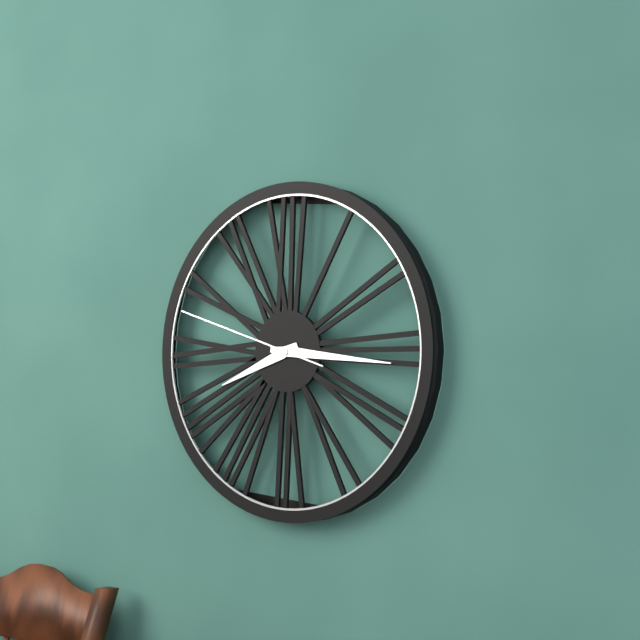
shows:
8,16,48
